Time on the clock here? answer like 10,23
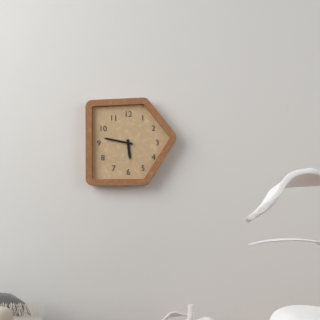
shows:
5,47
